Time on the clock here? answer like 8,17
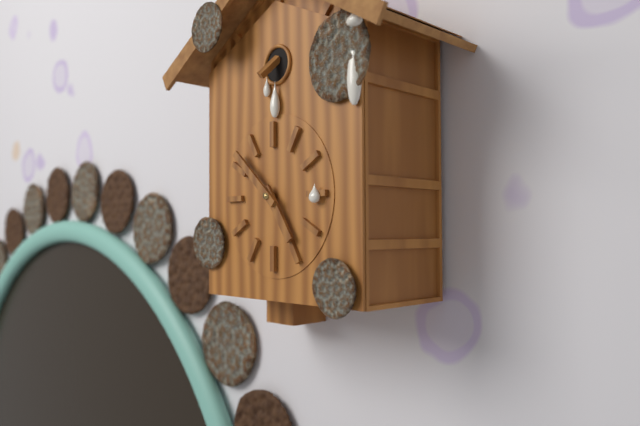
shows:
4,52
